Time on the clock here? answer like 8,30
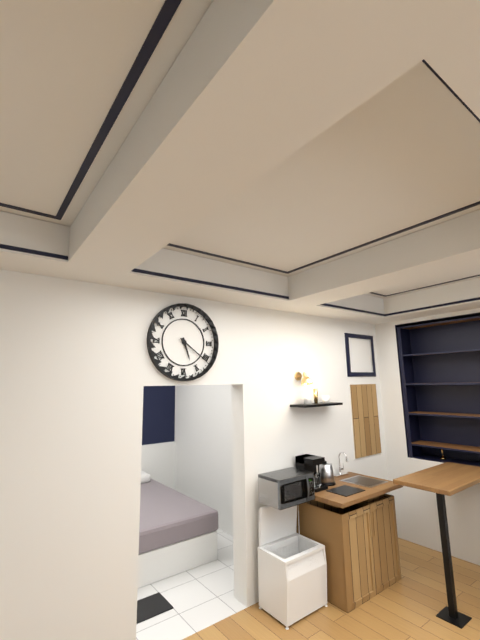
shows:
5,21
